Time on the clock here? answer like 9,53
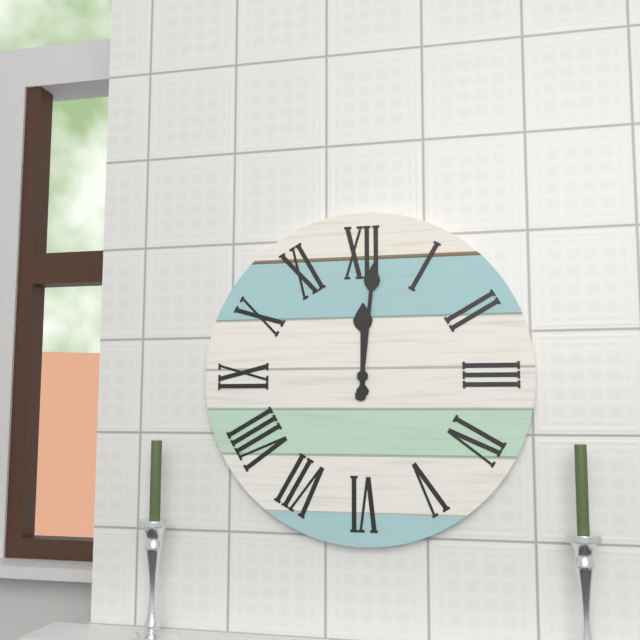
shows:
12,01
